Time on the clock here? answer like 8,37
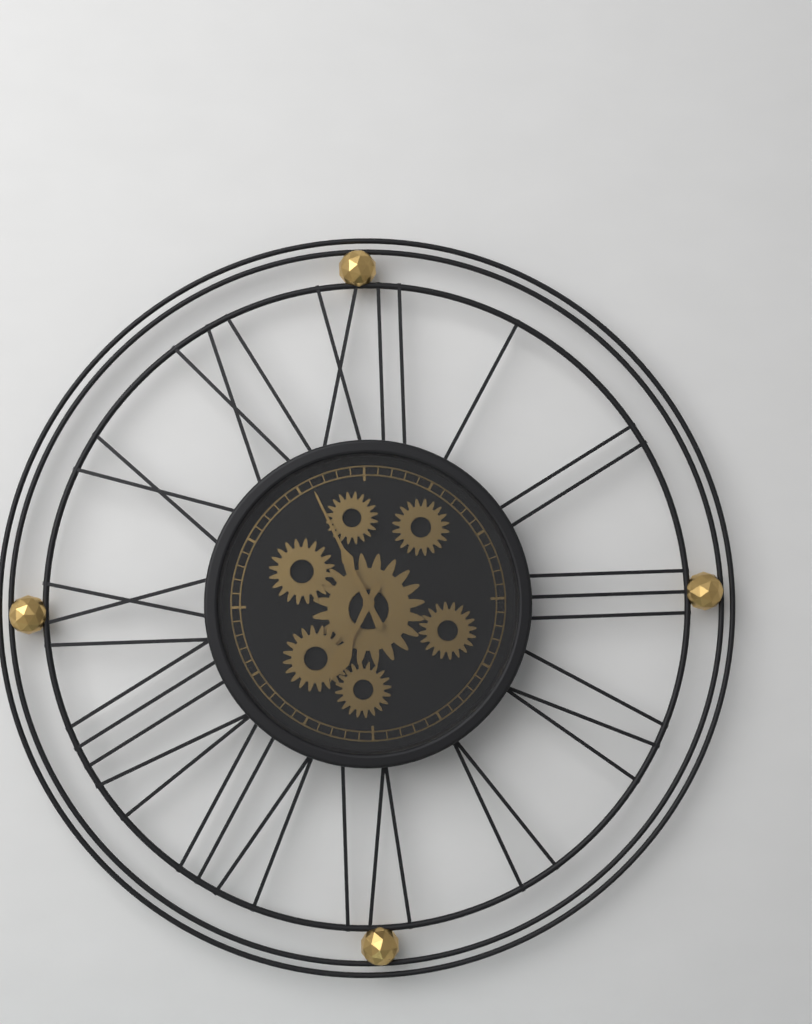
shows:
6,56
